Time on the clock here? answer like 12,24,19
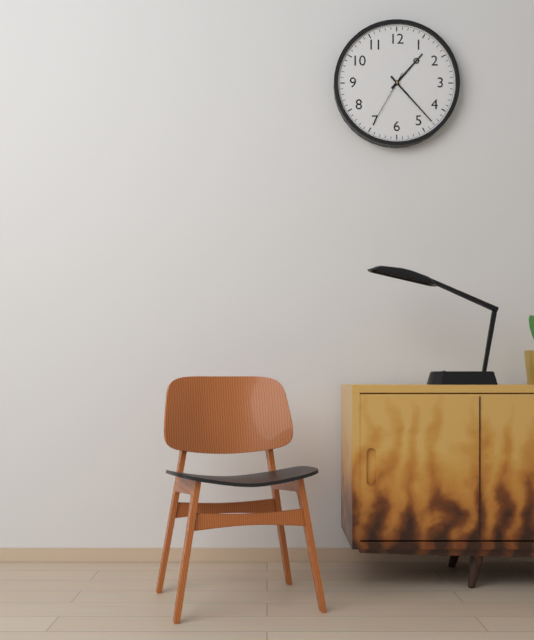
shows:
1,23,35
